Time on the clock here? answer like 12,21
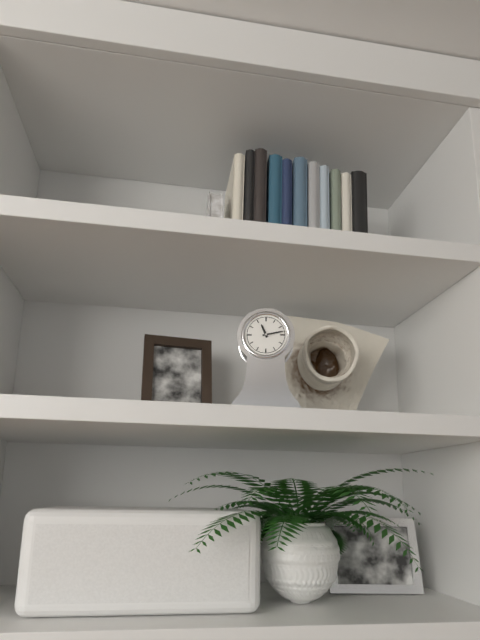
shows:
11,13
